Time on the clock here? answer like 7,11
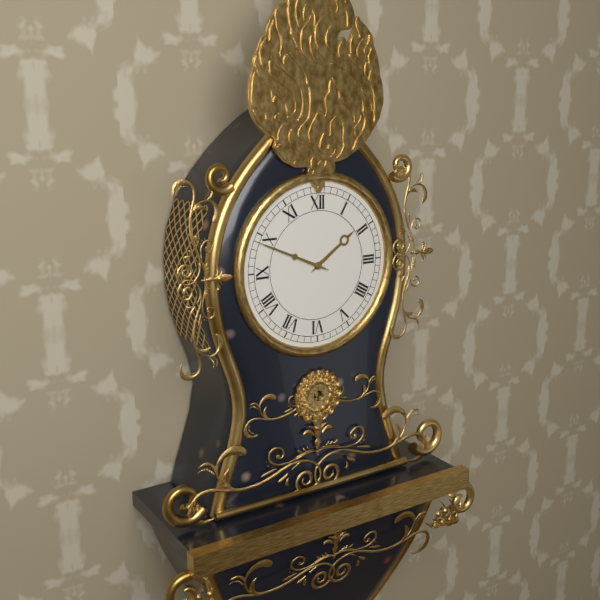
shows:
1,49
